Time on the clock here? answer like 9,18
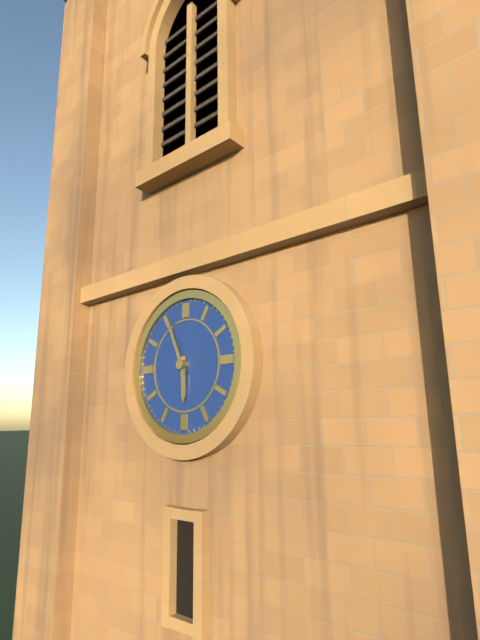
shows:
5,56
